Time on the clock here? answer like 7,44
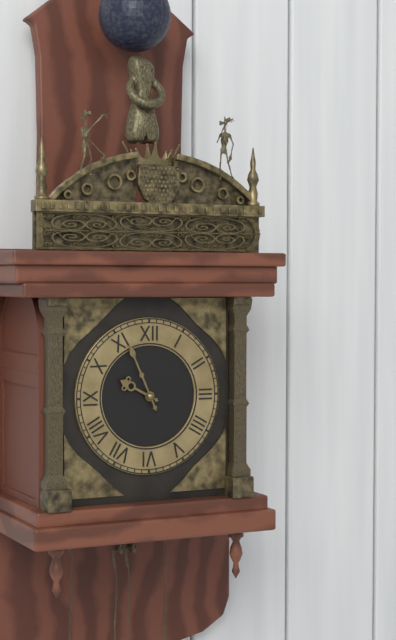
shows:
9,56
